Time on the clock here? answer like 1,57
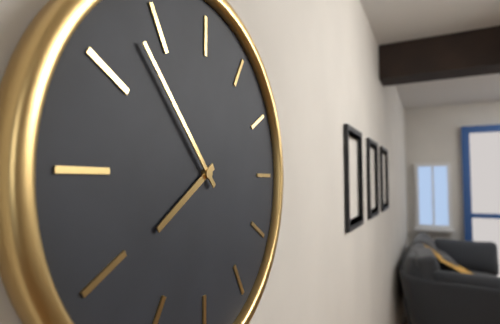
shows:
7,53
